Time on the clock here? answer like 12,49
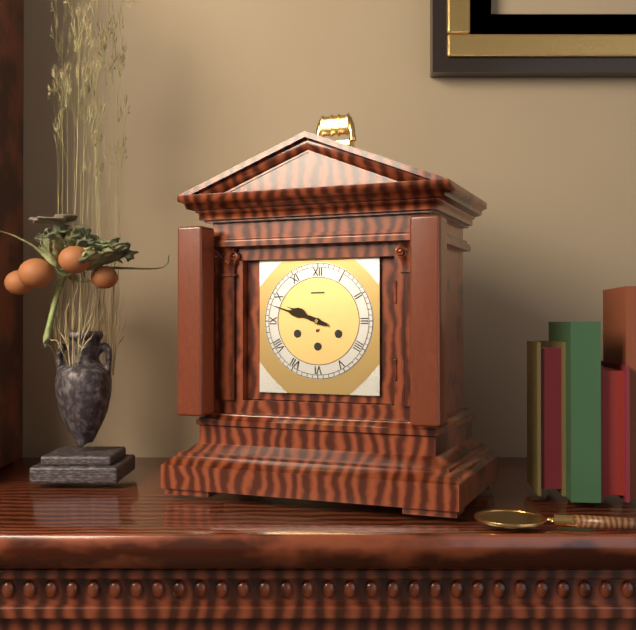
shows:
9,48
